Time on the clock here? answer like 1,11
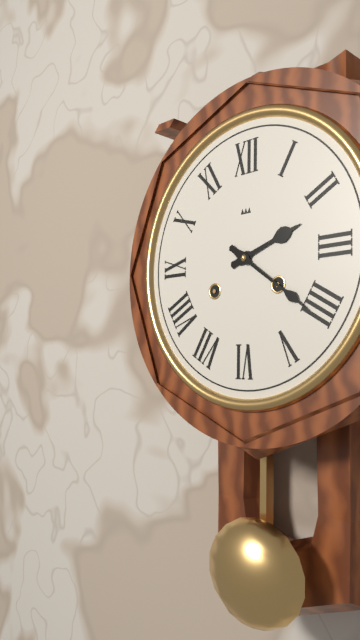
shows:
2,21
